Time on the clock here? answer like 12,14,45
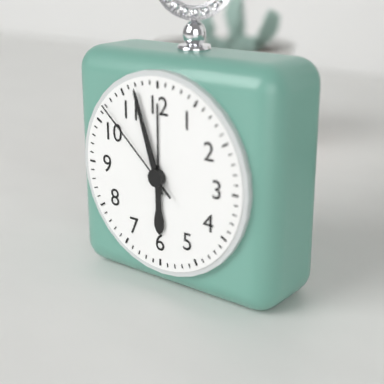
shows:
5,57,52
